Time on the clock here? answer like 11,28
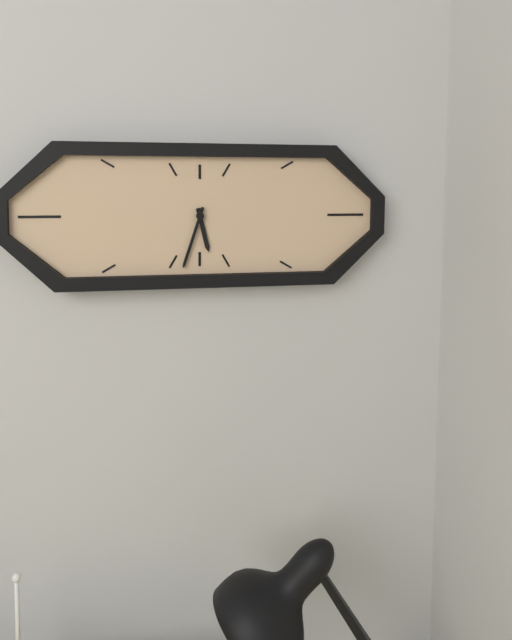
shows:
5,33
